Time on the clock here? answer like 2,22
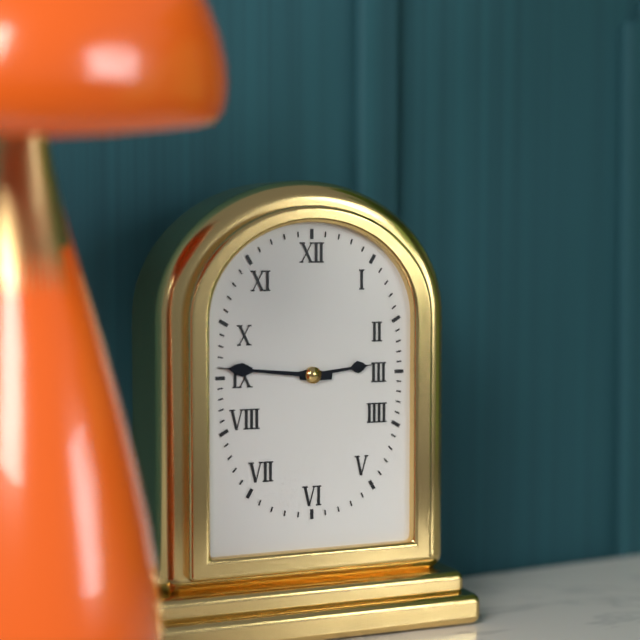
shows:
2,46
